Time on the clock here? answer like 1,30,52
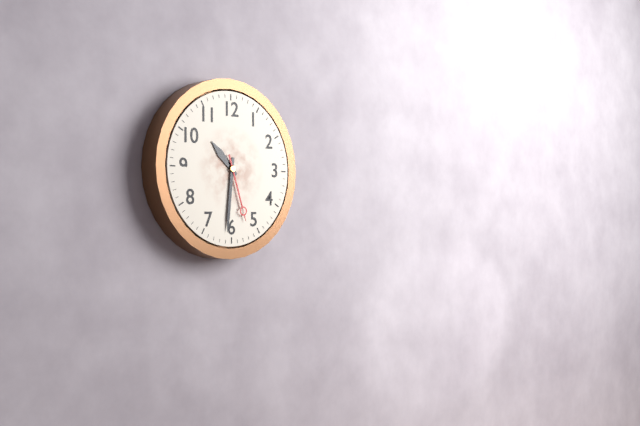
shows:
10,31,27
